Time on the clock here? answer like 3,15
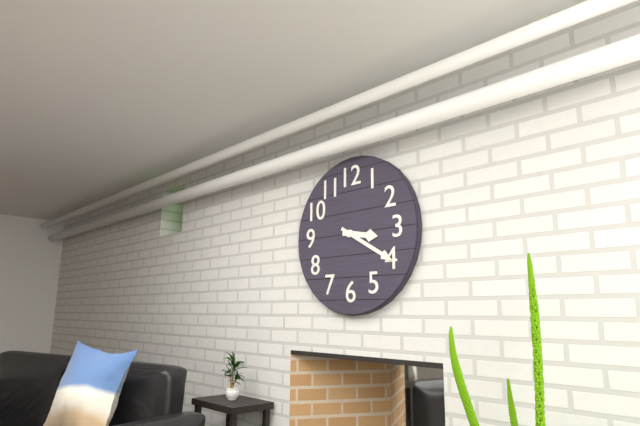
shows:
3,20
